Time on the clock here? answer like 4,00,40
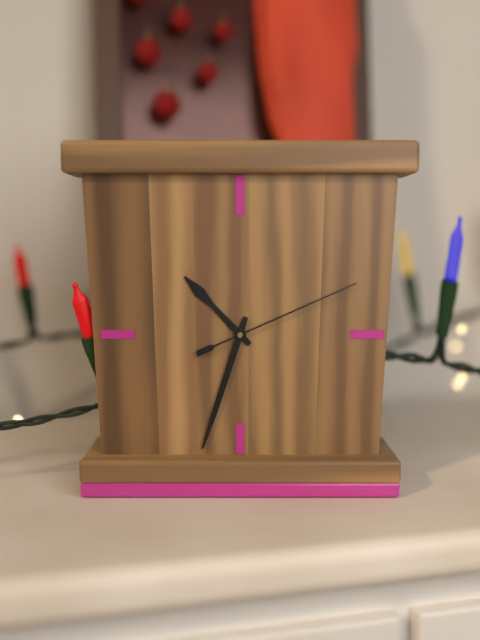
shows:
10,33,11
